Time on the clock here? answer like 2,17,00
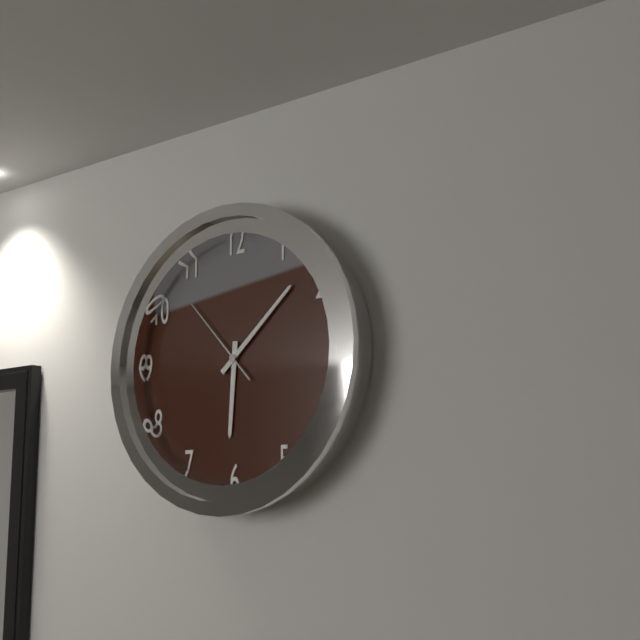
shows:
6,08,53
